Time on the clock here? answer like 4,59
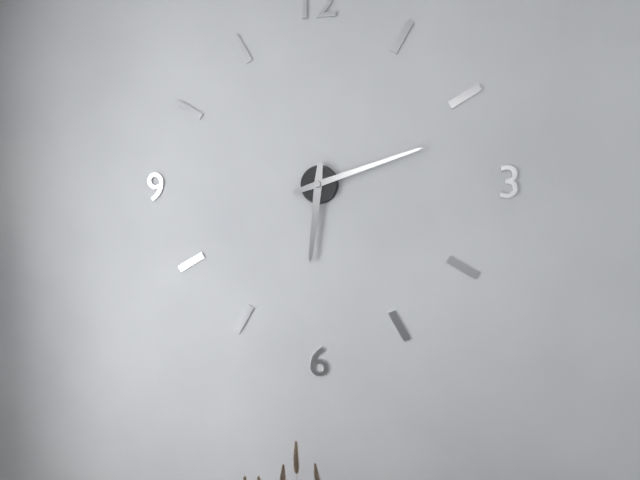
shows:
6,12
